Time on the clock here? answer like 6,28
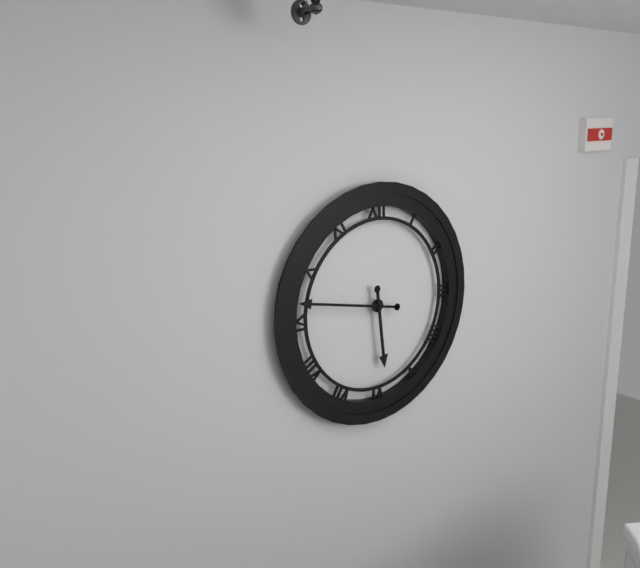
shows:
5,47
